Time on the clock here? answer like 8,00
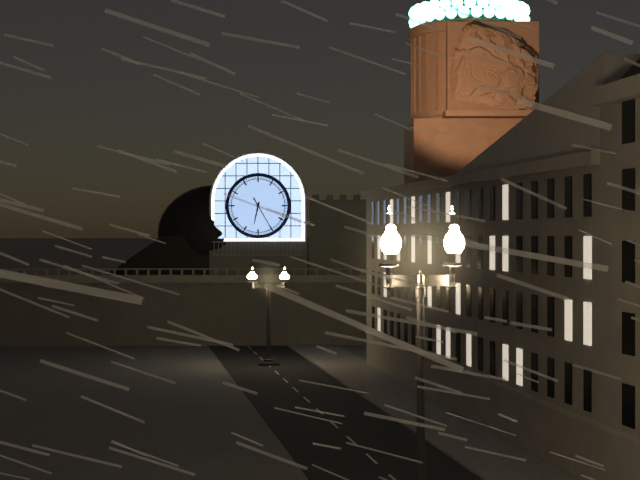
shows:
6,25
